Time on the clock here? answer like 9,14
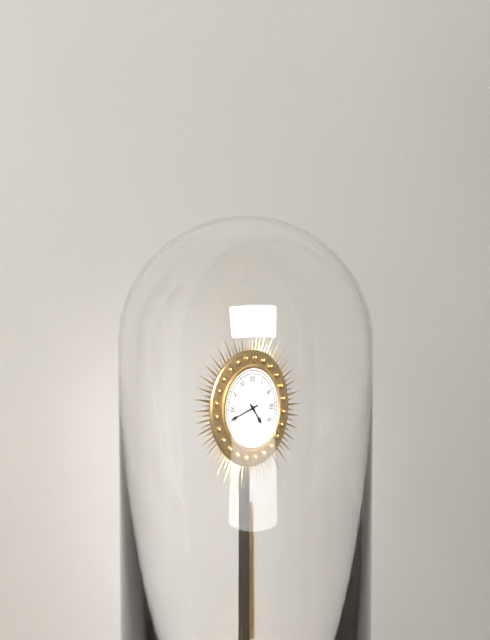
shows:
4,42
